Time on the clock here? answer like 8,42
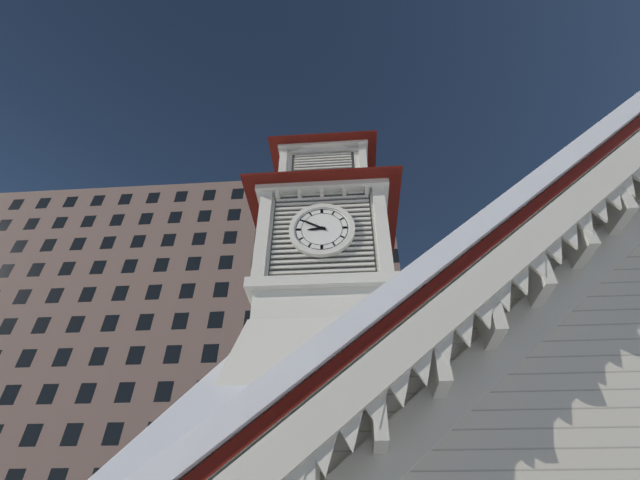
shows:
8,50
